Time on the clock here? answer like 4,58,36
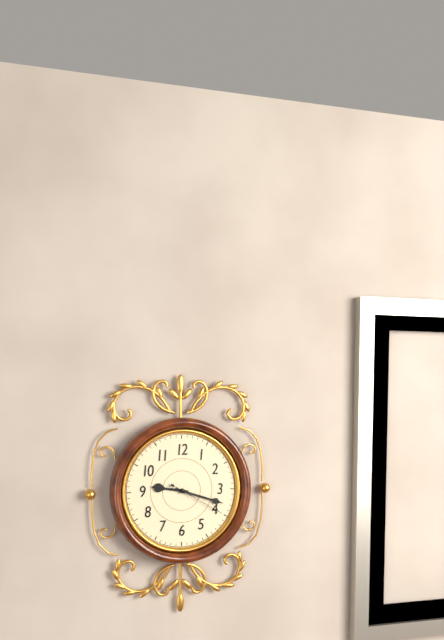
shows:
9,18,20
